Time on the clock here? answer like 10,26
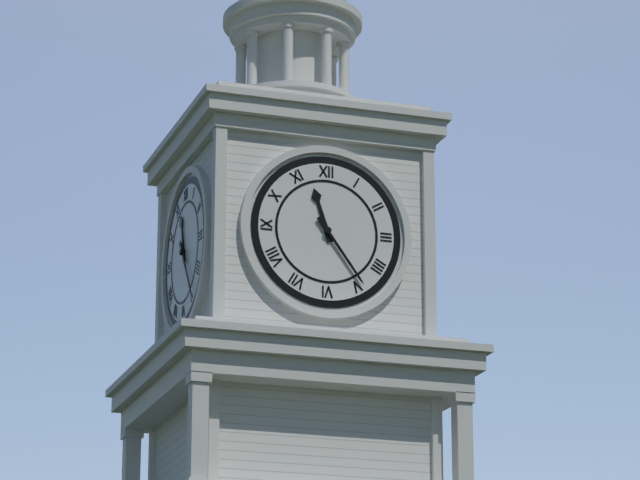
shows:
11,24
